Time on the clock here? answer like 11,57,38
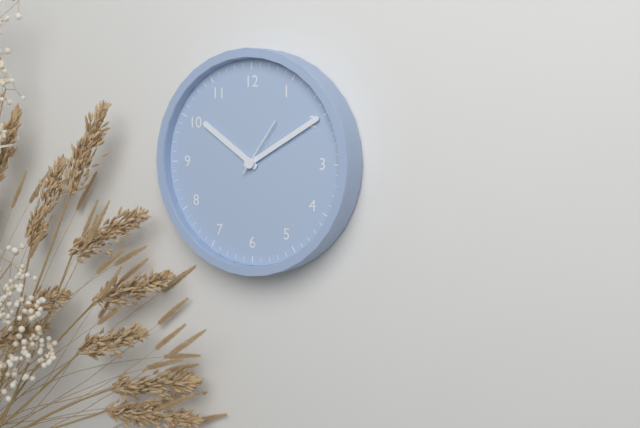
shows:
10,10,06
